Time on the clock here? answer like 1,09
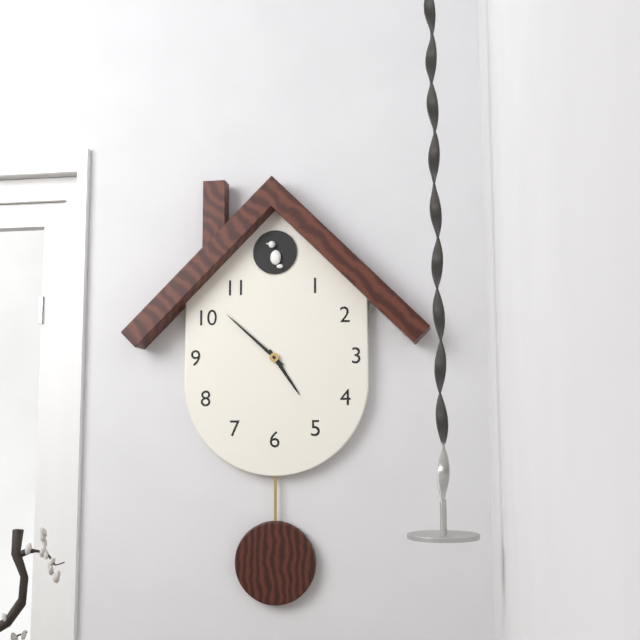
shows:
4,52
